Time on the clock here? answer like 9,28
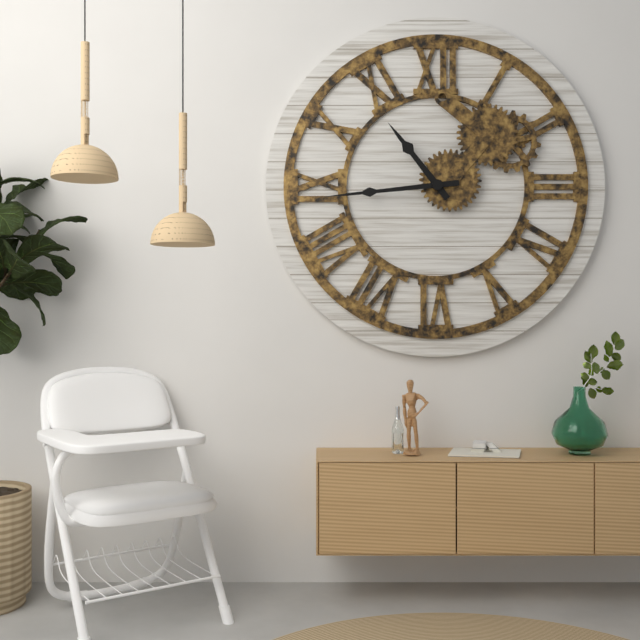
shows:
10,44
